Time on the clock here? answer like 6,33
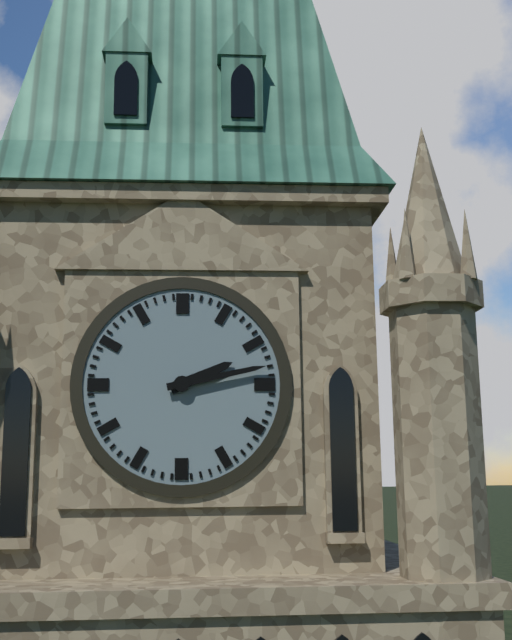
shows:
2,13
